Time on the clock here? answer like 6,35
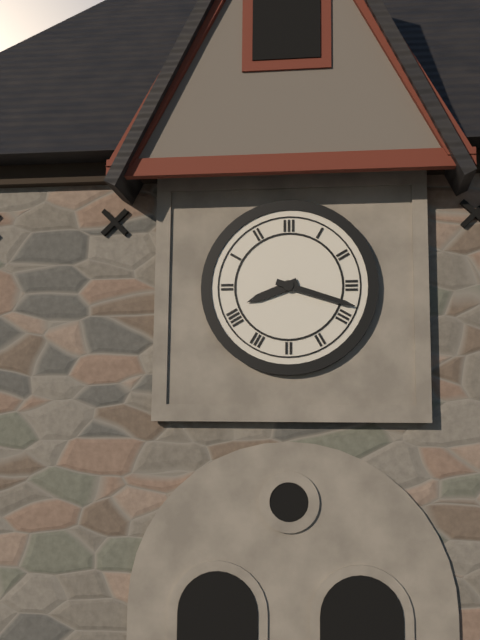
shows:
8,18
